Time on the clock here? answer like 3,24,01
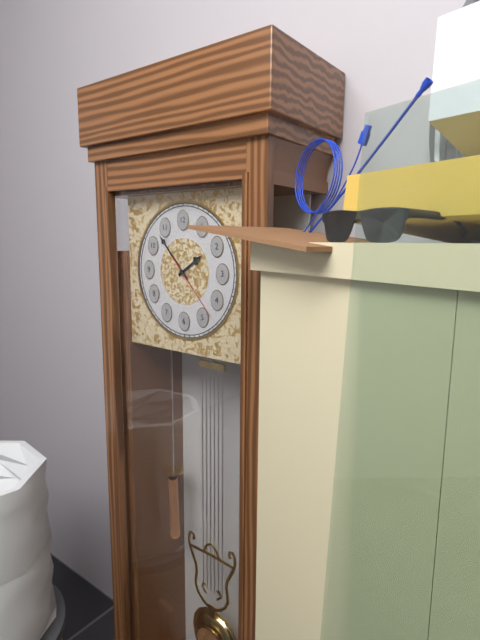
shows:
1,53,23
